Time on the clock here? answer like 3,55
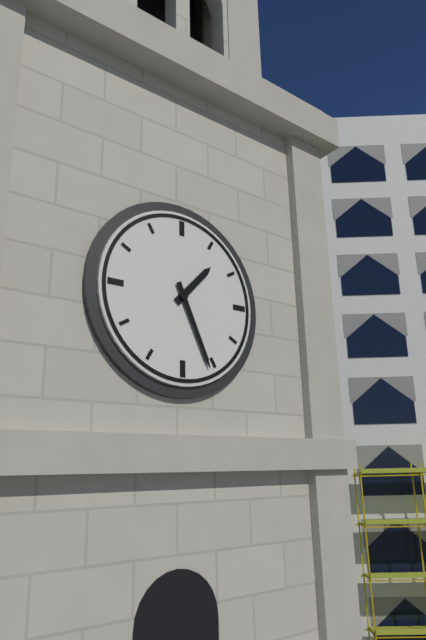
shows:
1,26
